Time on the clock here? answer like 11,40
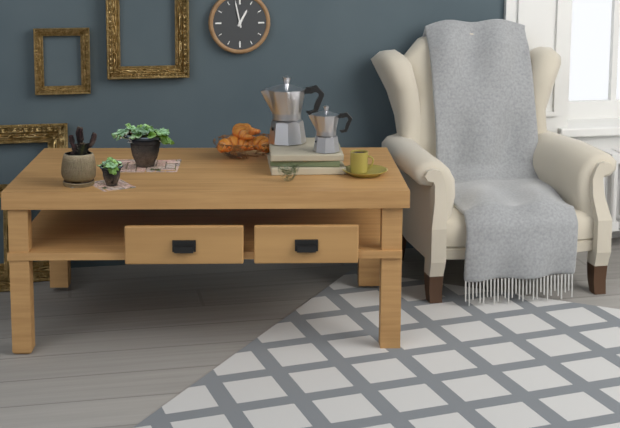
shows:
12,58
